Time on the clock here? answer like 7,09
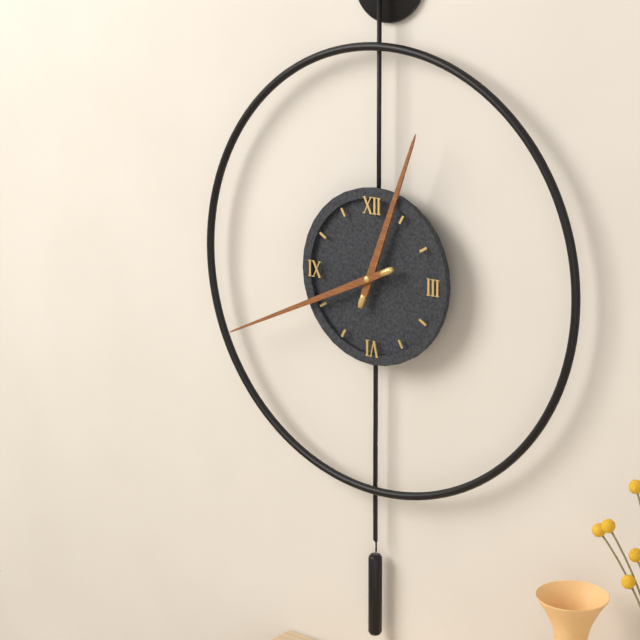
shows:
12,41
